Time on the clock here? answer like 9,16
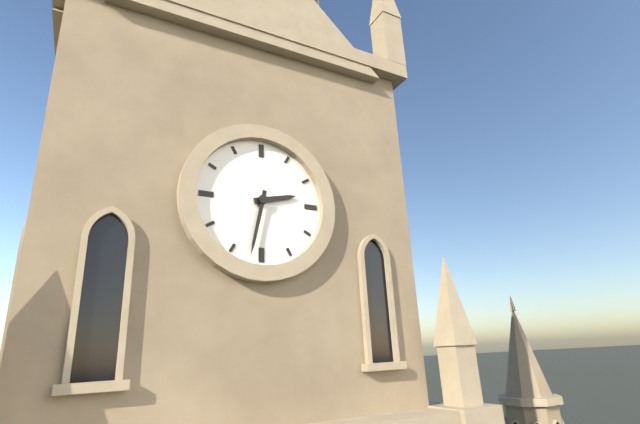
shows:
2,32
